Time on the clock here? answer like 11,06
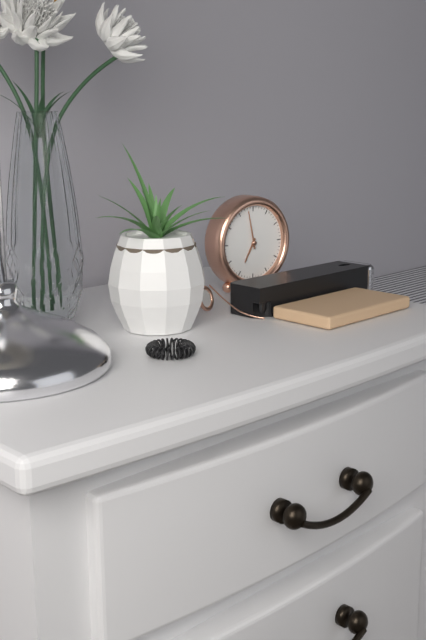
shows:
6,58
